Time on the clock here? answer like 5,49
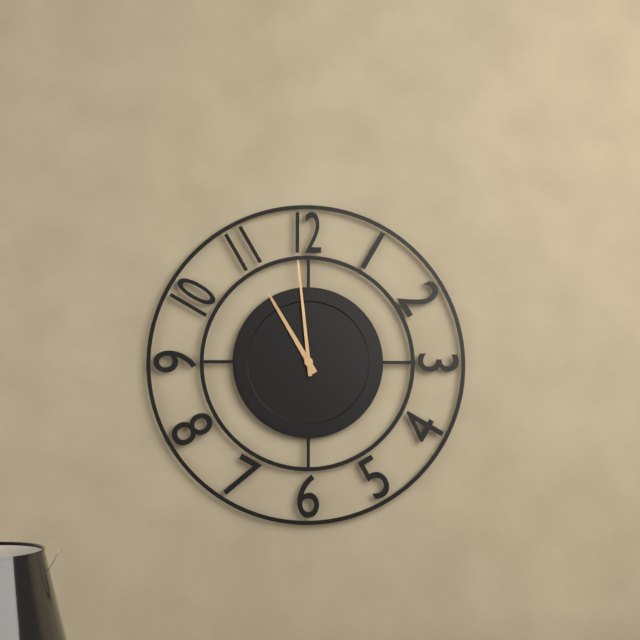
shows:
10,59
